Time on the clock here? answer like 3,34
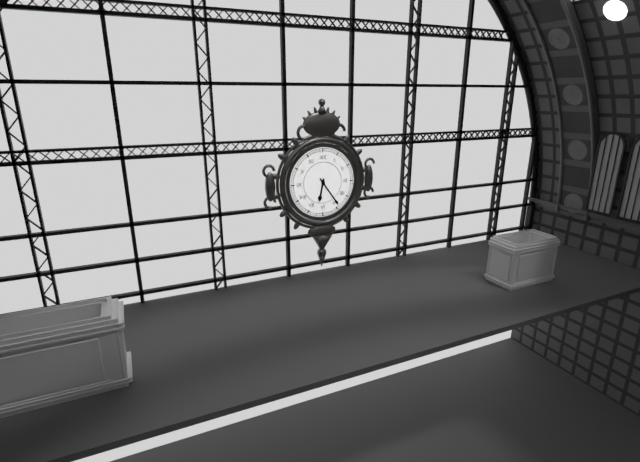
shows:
6,24
